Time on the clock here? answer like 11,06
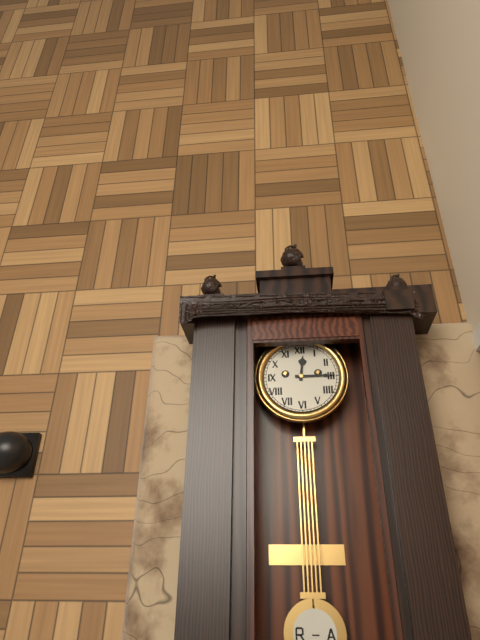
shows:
12,15
